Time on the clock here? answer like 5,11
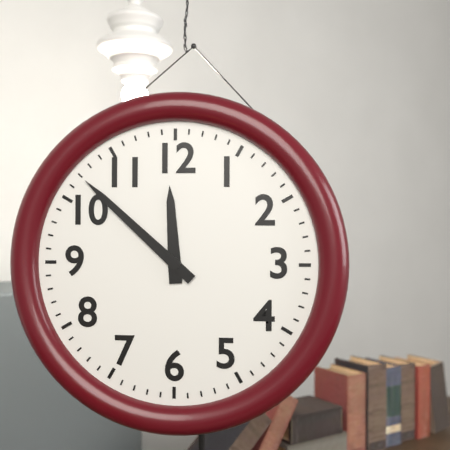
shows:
11,52
